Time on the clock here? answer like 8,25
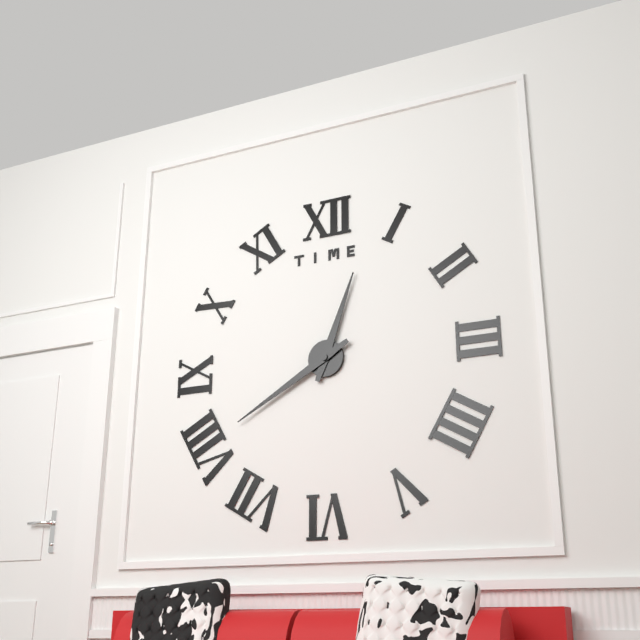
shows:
12,40
